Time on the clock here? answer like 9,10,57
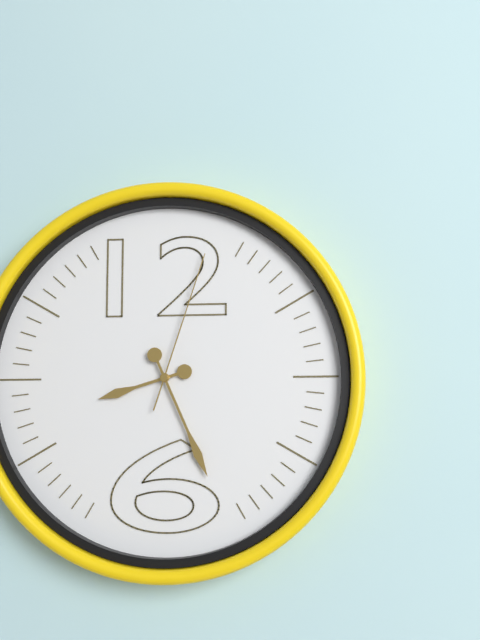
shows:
8,26,03
